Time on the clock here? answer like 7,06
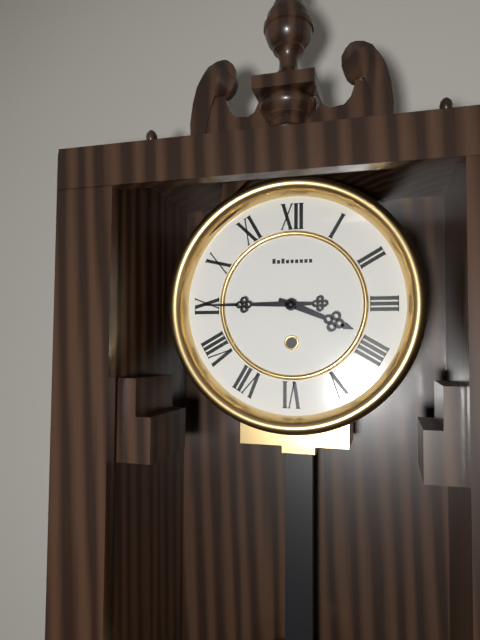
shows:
3,45
